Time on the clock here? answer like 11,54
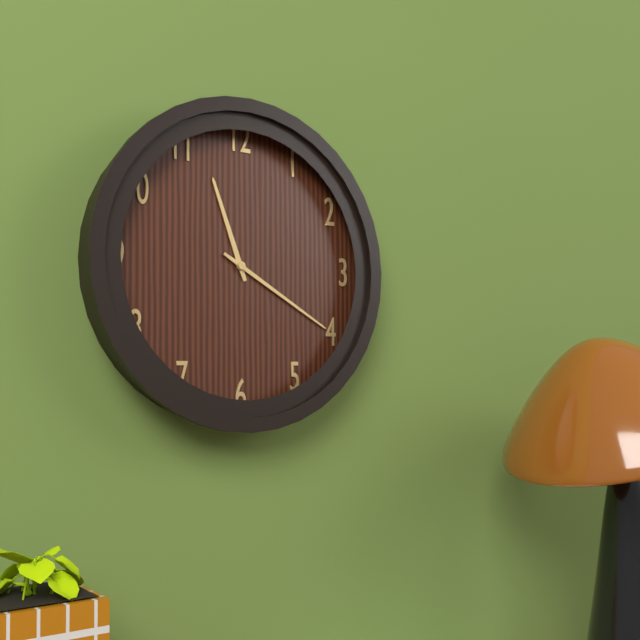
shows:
11,20
